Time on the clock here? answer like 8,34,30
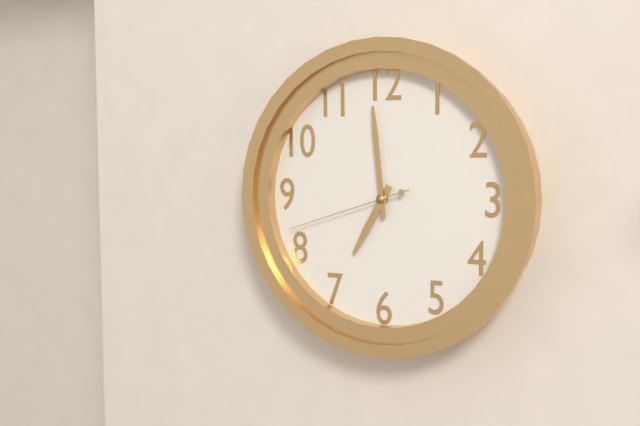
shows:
6,59,42
